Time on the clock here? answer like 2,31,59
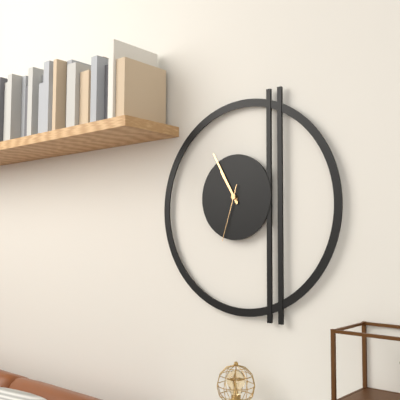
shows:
10,55,33
